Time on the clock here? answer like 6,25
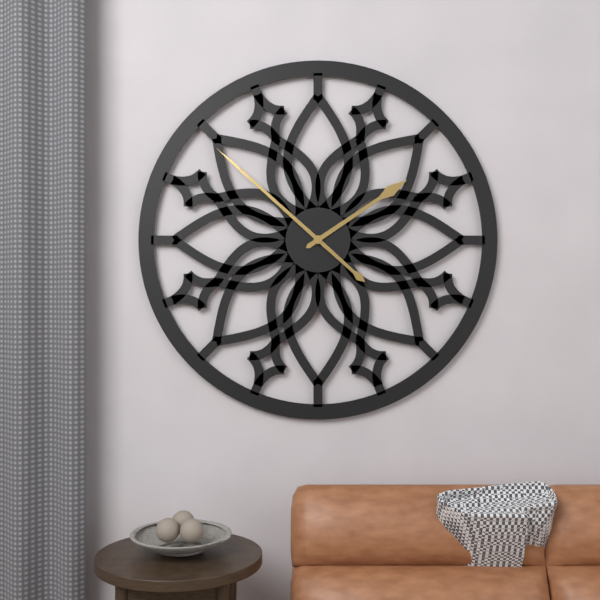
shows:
1,52
